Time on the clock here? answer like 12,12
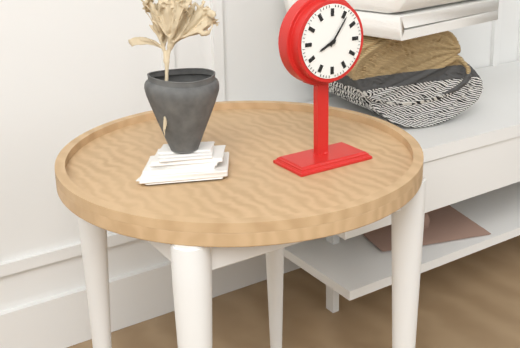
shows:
8,06
